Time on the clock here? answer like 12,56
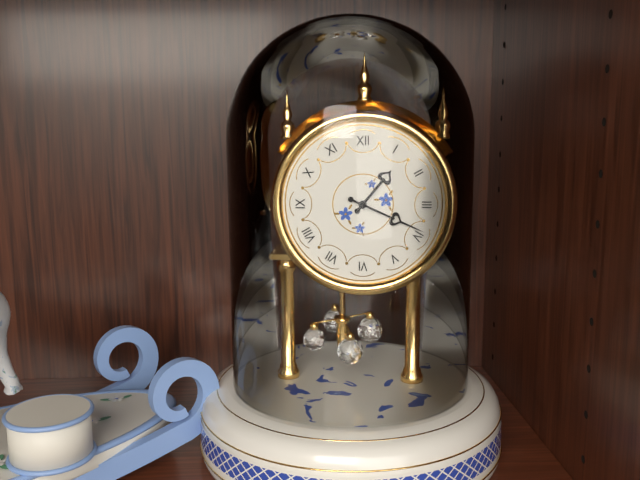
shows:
1,19
